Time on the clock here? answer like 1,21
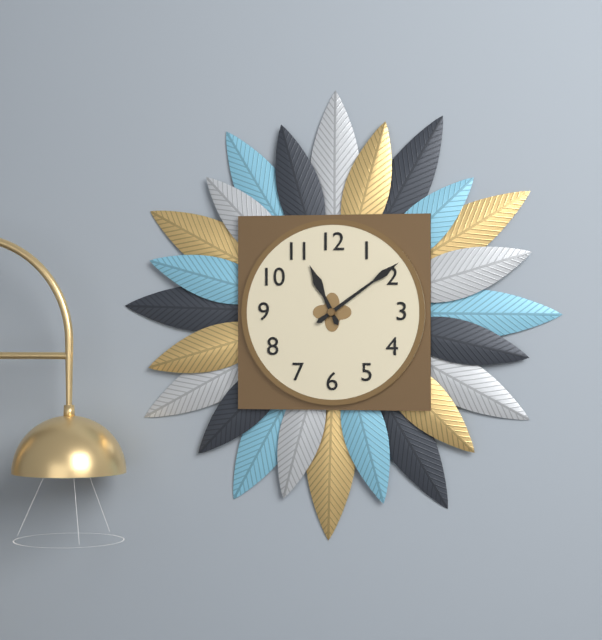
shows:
11,09
